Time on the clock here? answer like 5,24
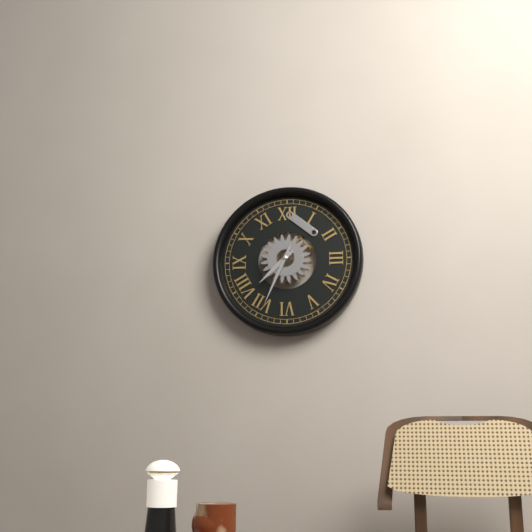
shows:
7,34
